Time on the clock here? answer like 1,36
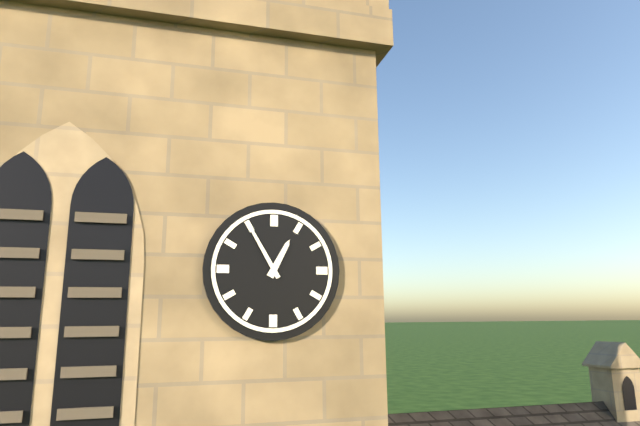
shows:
12,55
